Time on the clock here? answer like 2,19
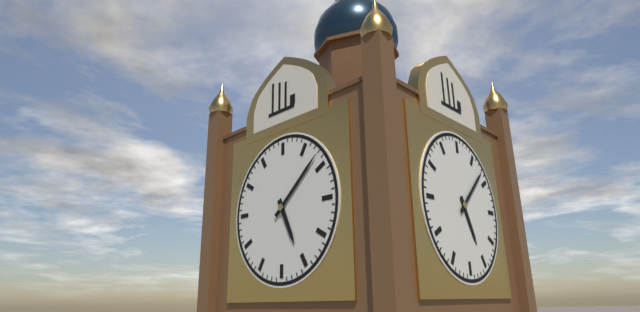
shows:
5,08
